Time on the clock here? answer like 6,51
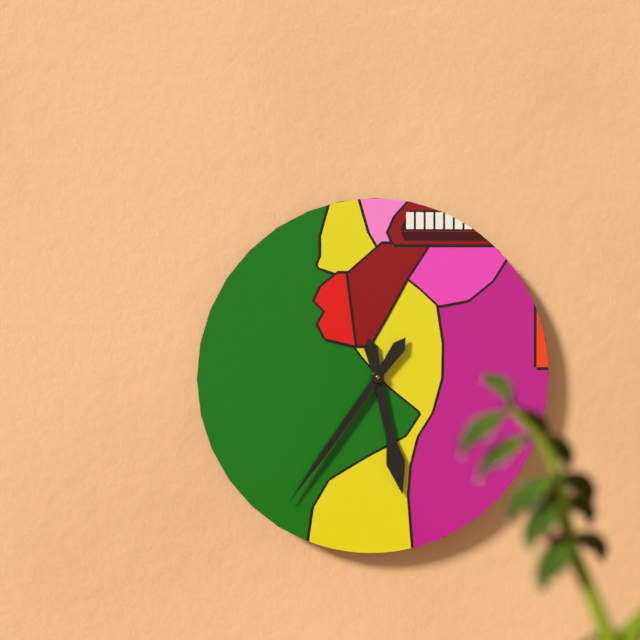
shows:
5,36
